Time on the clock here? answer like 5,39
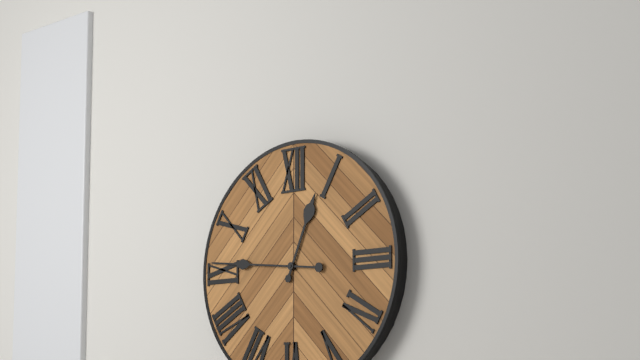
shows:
12,46
